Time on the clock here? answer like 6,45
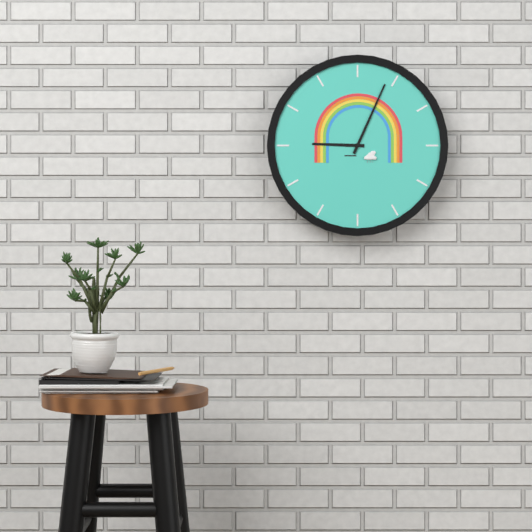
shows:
9,04
